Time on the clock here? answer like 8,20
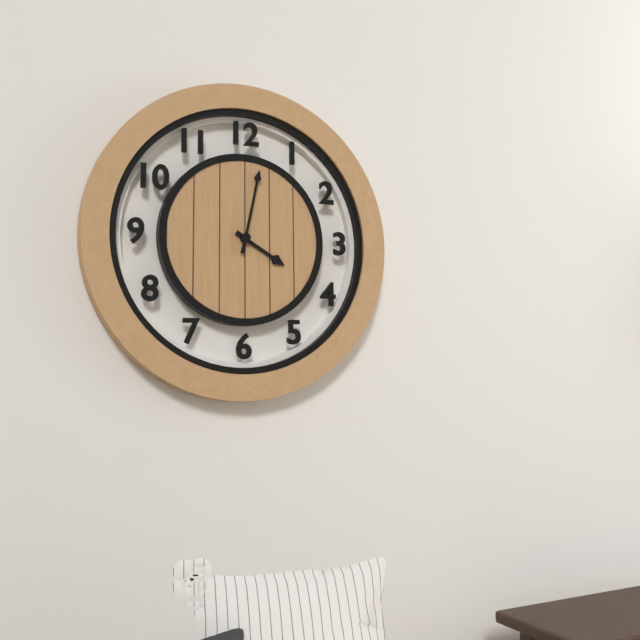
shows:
4,02
